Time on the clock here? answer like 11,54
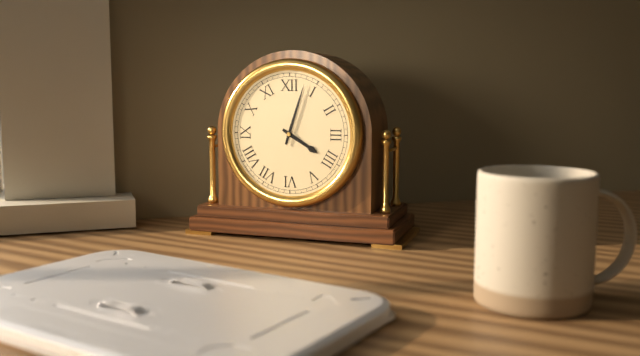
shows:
4,03
